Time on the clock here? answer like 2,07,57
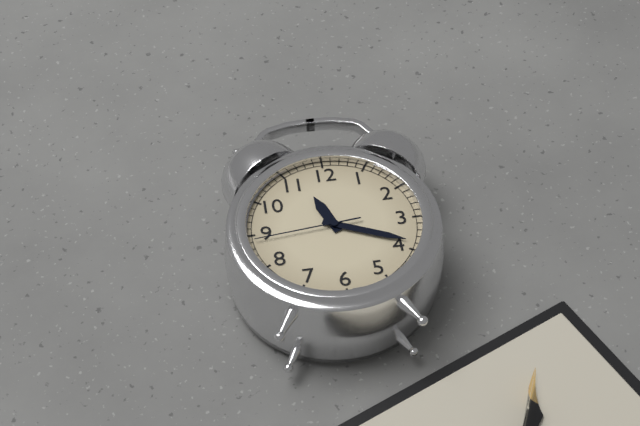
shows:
11,19,44
